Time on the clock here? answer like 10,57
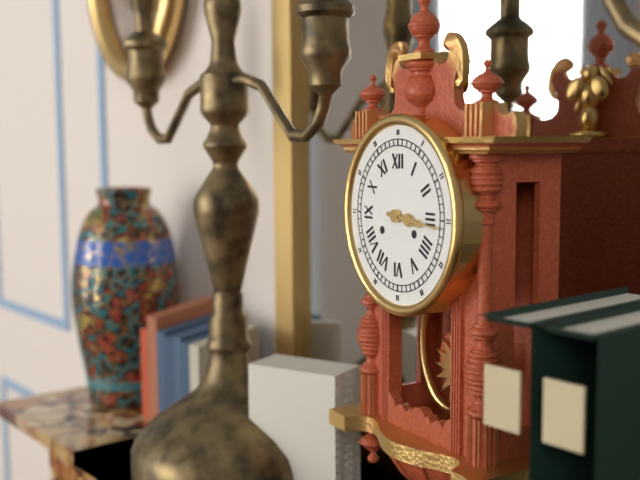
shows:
3,16
